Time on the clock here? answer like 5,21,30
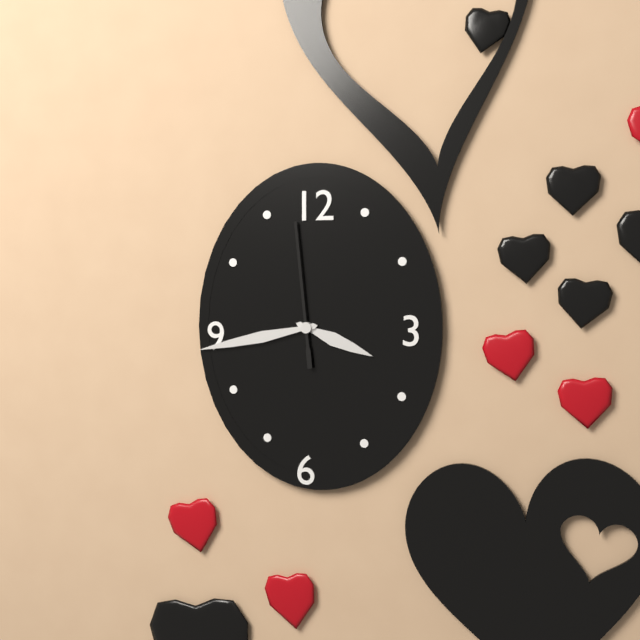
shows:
3,43,59
